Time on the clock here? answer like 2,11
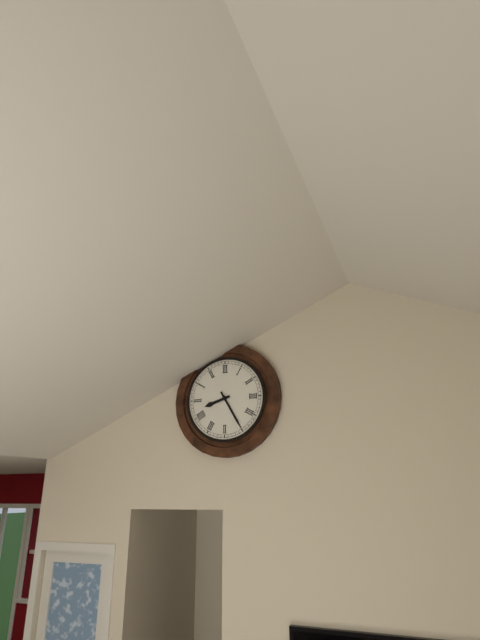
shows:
8,25
